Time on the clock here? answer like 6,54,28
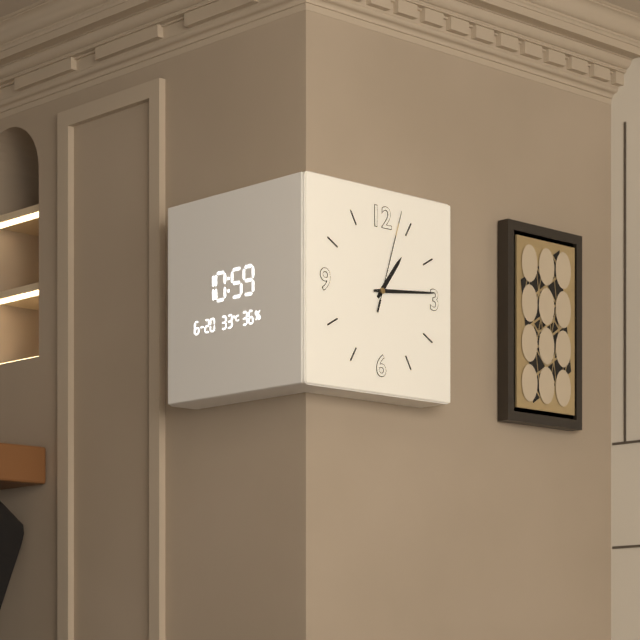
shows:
1,14,03
